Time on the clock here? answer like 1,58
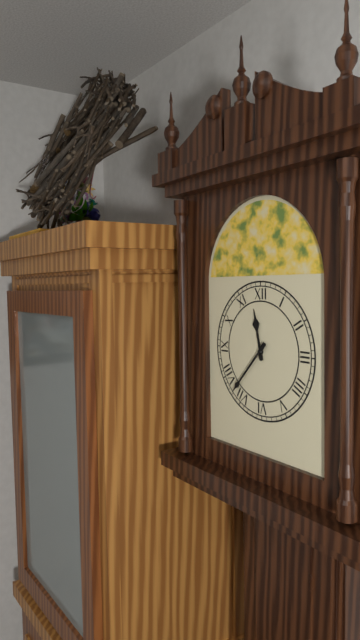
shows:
11,37
